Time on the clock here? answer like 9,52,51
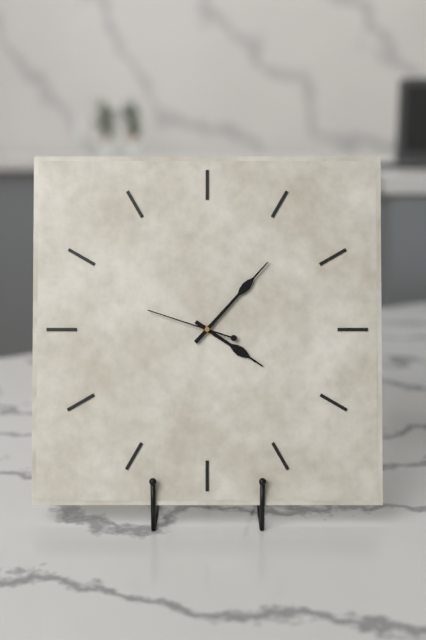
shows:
4,07,48
